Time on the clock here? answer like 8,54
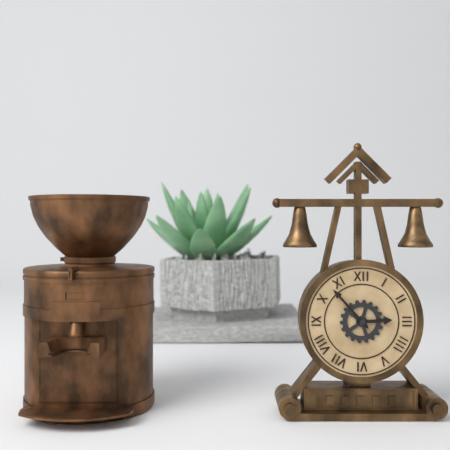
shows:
2,53
